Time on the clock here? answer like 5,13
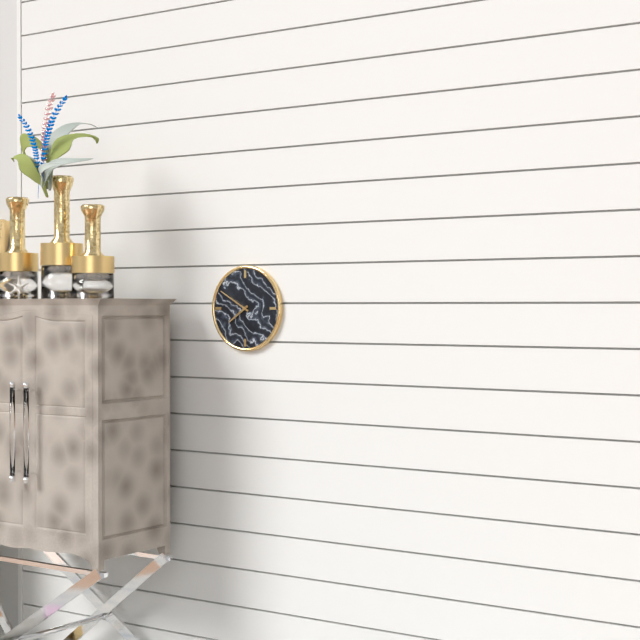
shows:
7,50
